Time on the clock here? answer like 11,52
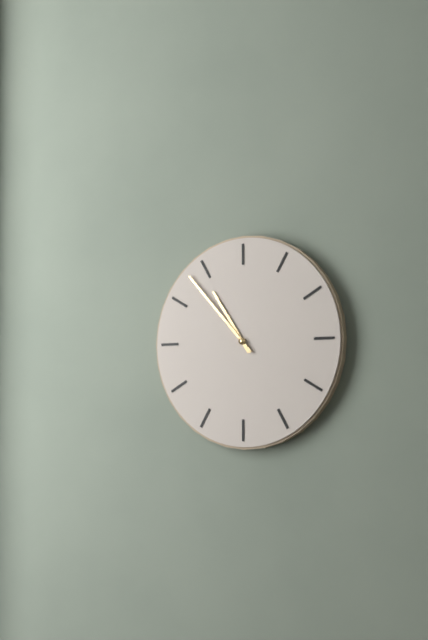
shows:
10,53
